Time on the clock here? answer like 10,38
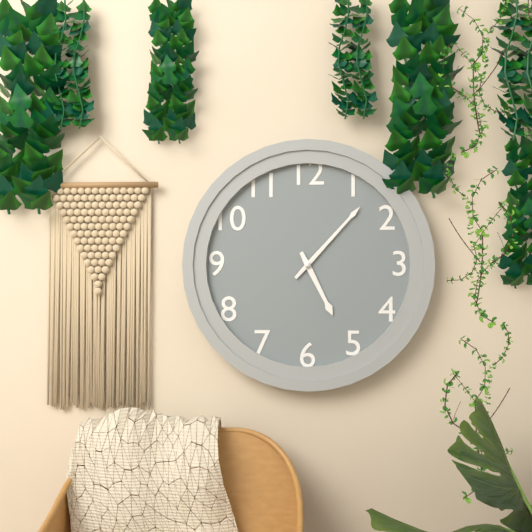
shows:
5,07
